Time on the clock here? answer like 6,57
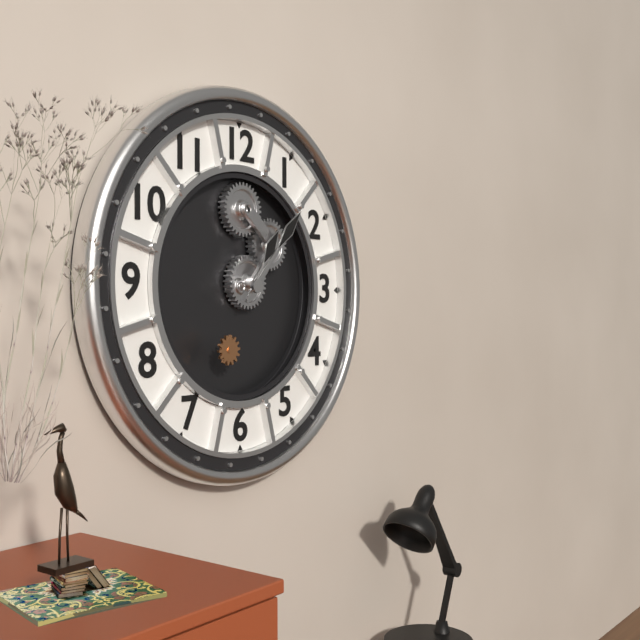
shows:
1,07
